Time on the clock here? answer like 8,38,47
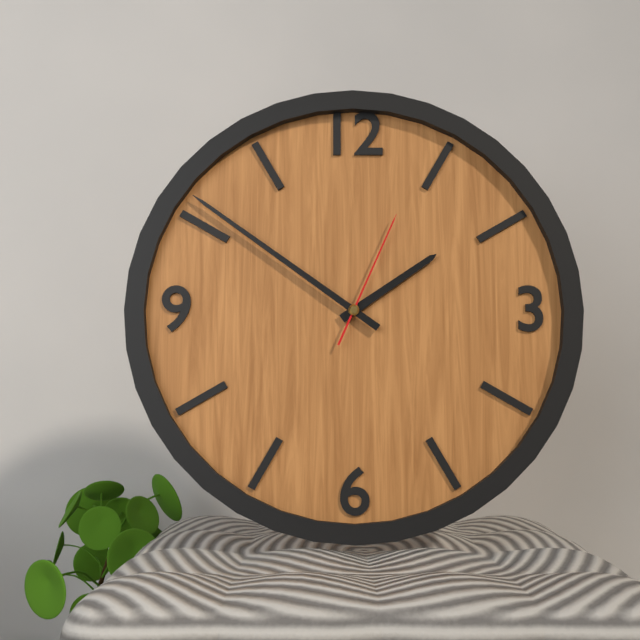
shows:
1,51,04
